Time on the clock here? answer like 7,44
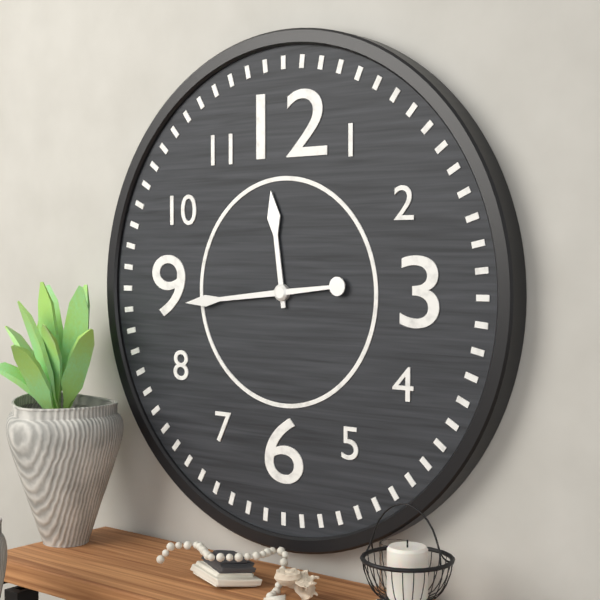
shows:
11,44
